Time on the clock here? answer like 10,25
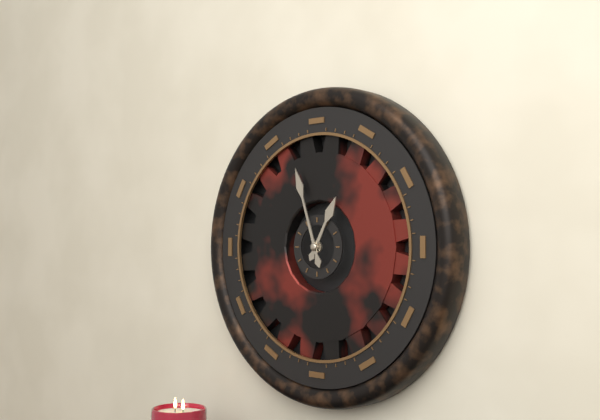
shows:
12,57
